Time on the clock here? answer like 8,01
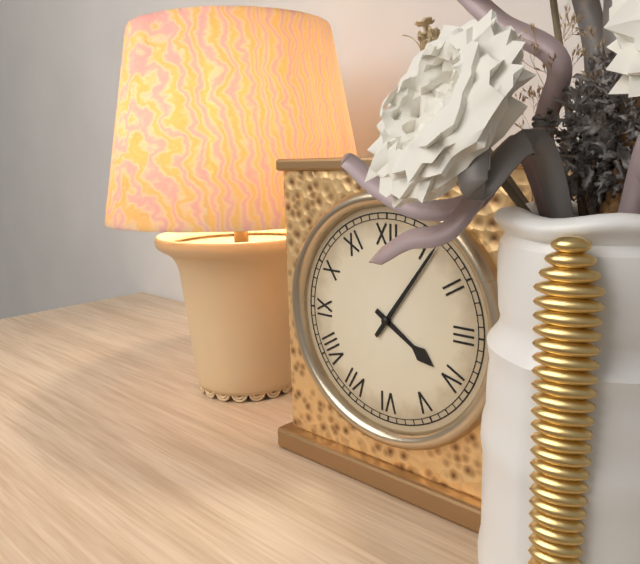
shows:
4,06
